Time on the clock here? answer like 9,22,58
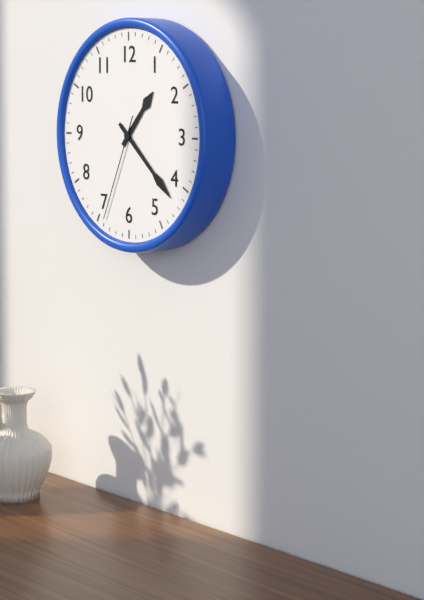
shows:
1,22,34
